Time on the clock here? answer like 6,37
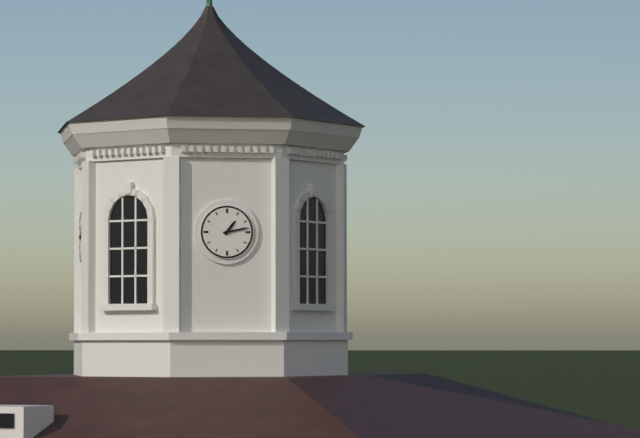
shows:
1,13
